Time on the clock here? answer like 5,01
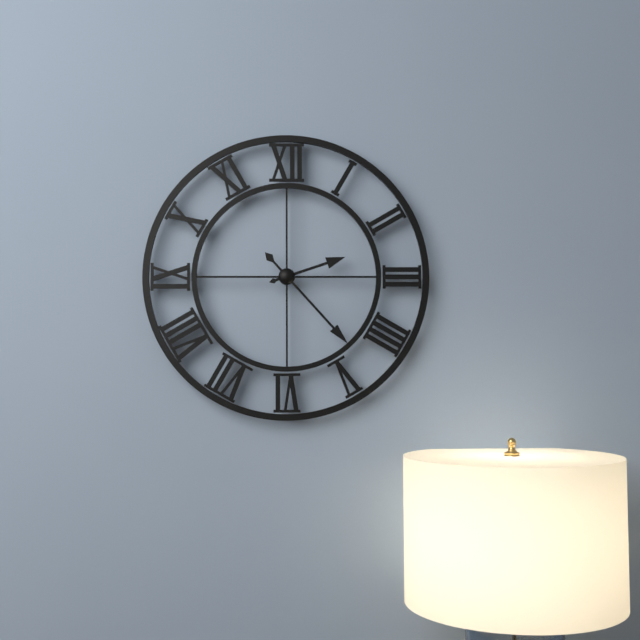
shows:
2,23
